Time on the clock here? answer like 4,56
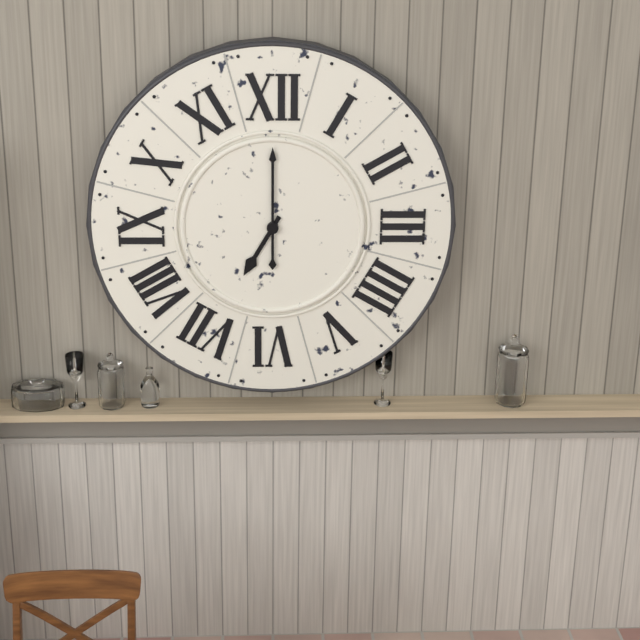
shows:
7,00
